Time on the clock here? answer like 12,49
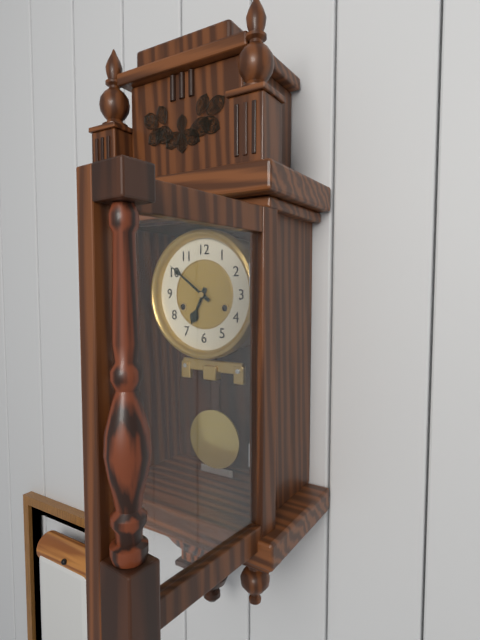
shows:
6,51
